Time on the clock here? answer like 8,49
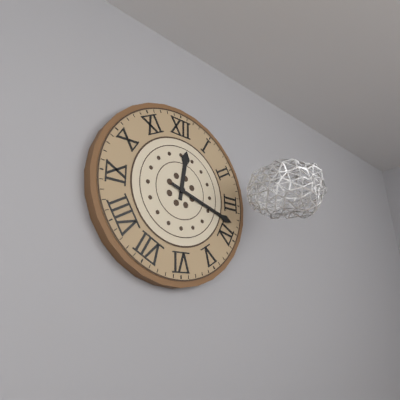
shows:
12,18
